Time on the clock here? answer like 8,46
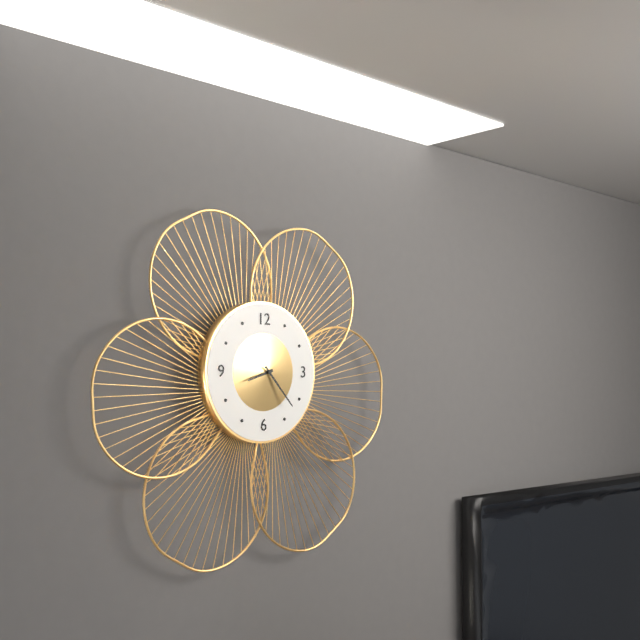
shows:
8,23
